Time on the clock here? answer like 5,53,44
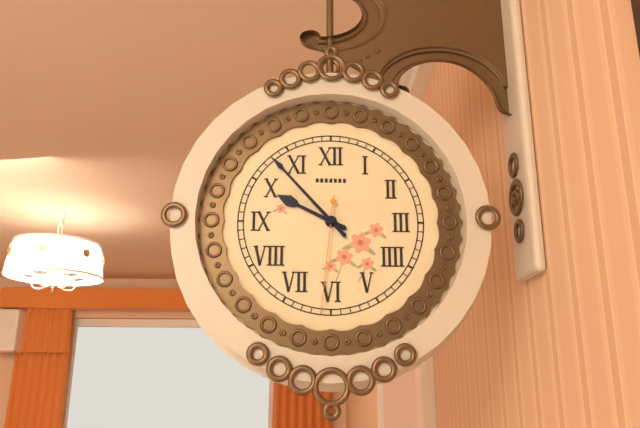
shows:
9,53,31
